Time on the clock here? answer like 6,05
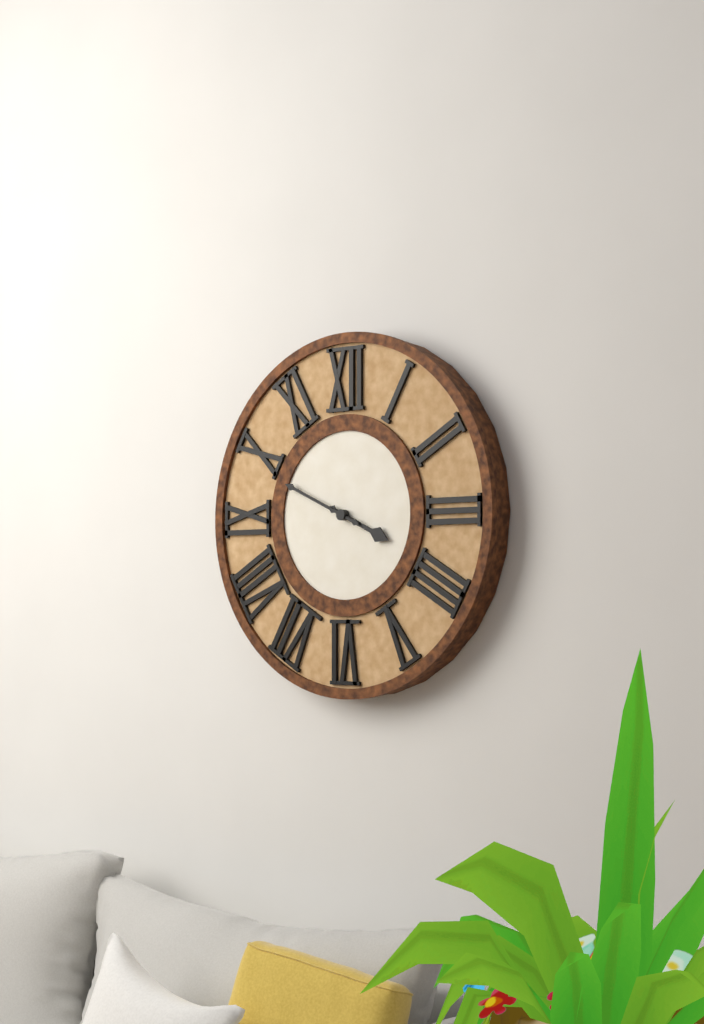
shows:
3,49
